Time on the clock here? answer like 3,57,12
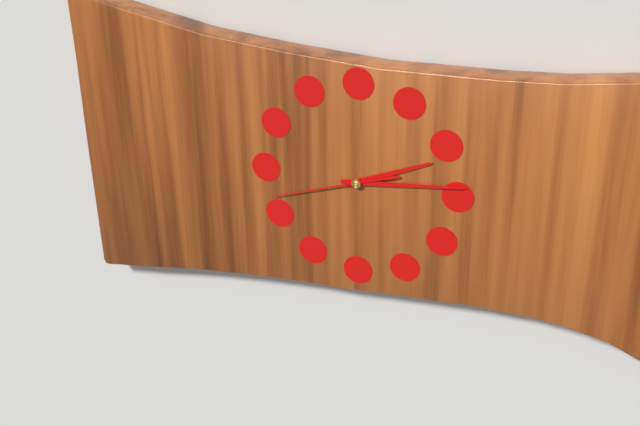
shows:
2,14,42
